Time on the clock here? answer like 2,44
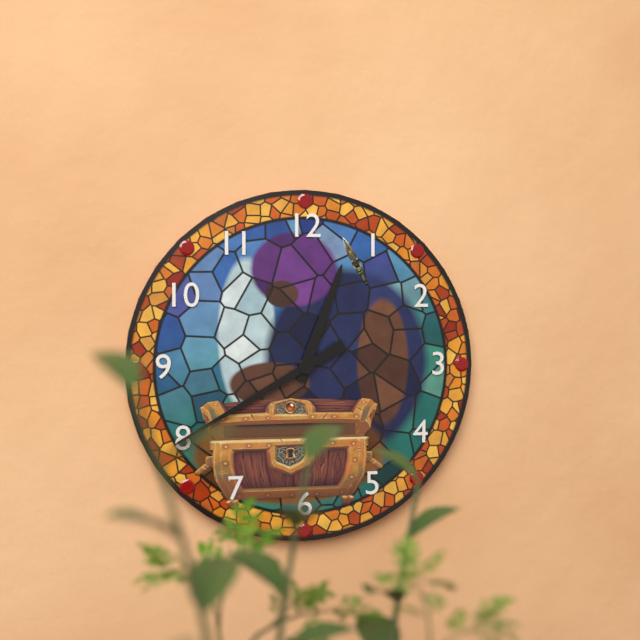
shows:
12,40
